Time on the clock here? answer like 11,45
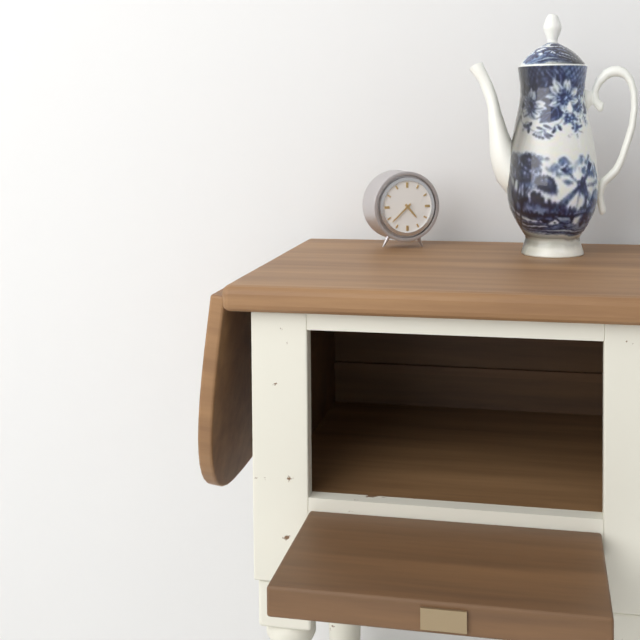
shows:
4,38
